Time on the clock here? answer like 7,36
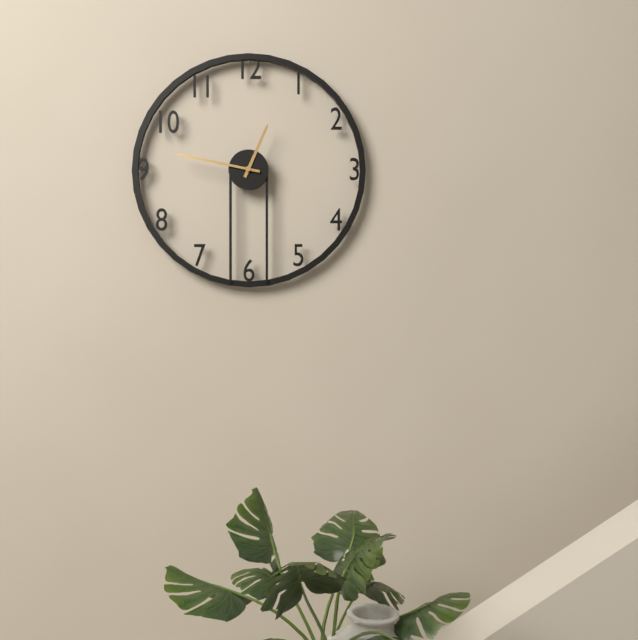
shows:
12,47
